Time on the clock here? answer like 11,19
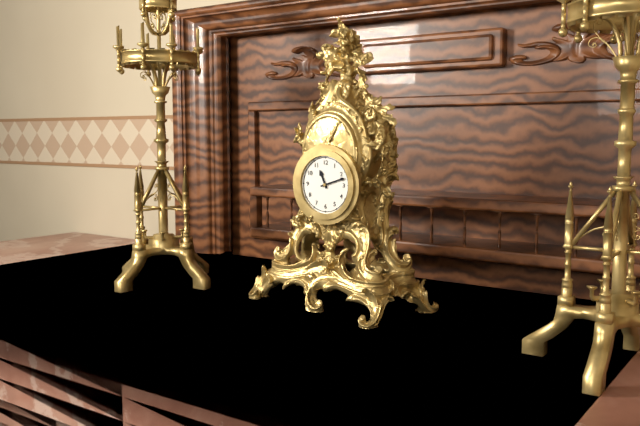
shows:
11,12
